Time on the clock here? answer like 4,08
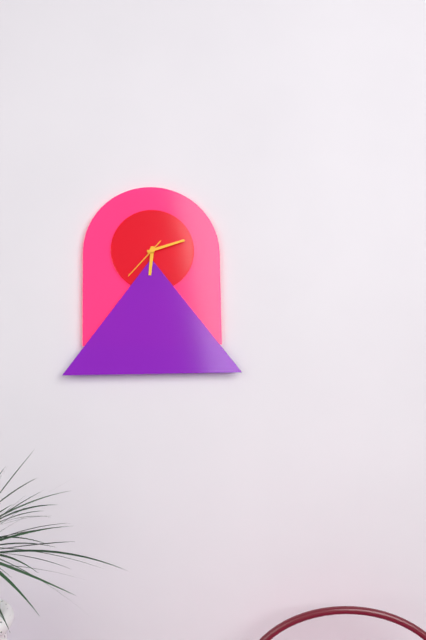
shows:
6,12
